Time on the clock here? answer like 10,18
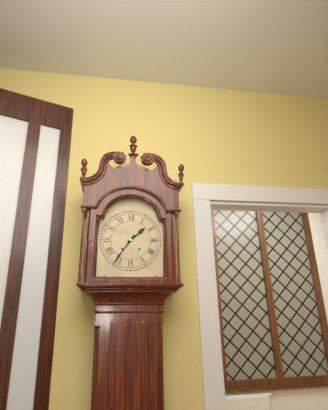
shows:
1,36
